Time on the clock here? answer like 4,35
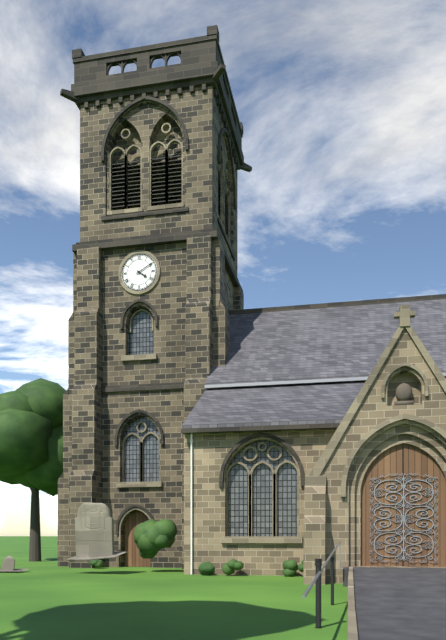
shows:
4,10
